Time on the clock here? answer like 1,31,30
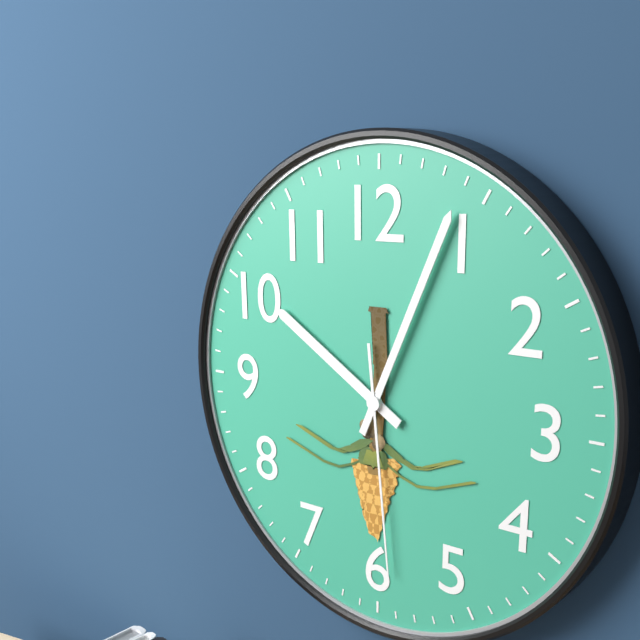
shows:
10,04,29
